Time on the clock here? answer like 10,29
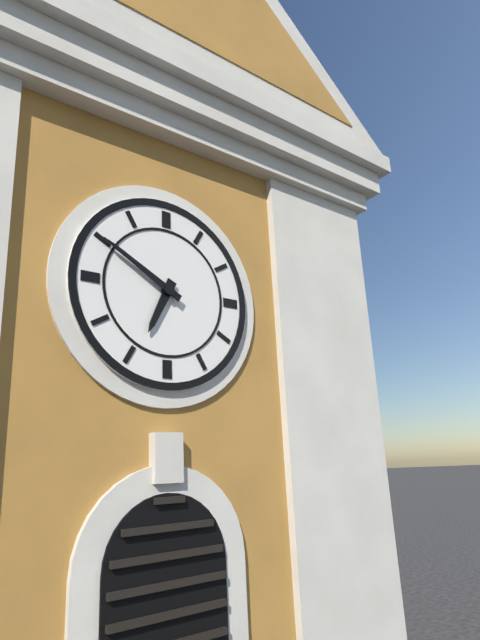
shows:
6,50
